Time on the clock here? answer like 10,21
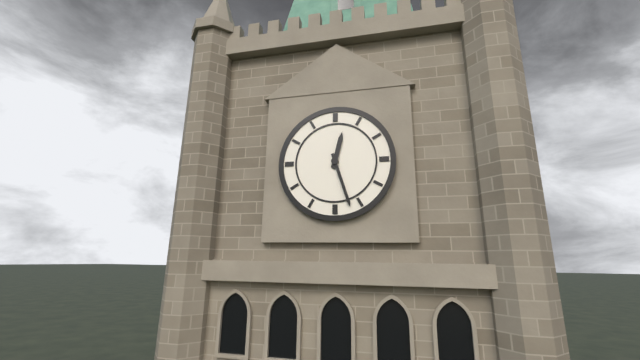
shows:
12,27
